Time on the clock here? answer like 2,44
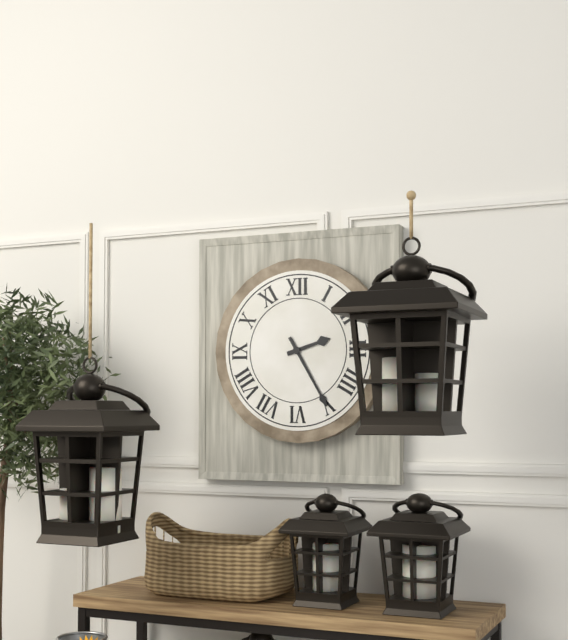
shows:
2,25
